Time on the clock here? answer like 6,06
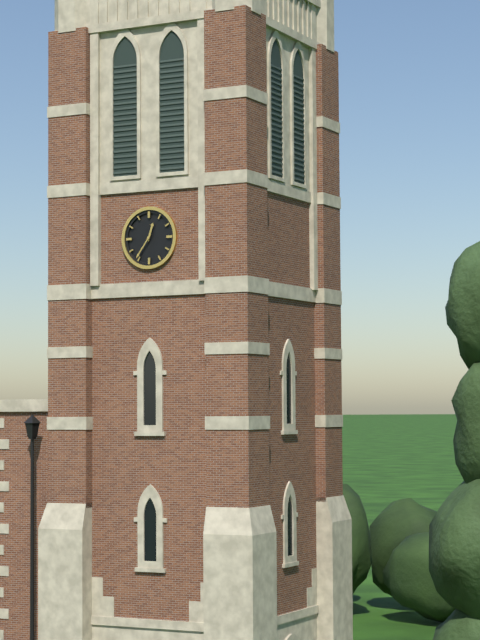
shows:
12,36
